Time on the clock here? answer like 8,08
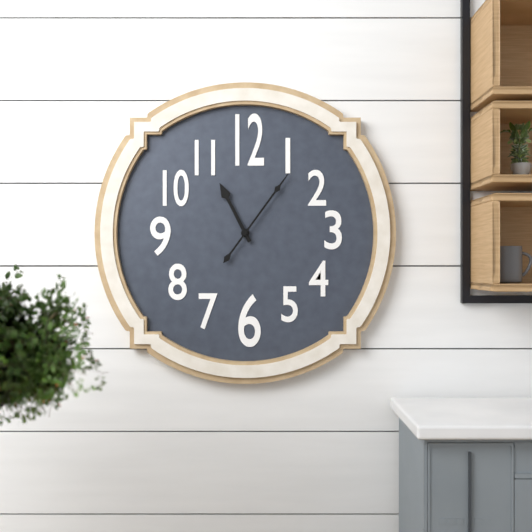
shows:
11,06
